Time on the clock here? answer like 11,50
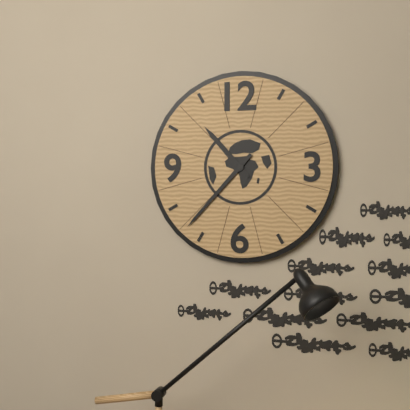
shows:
10,37
